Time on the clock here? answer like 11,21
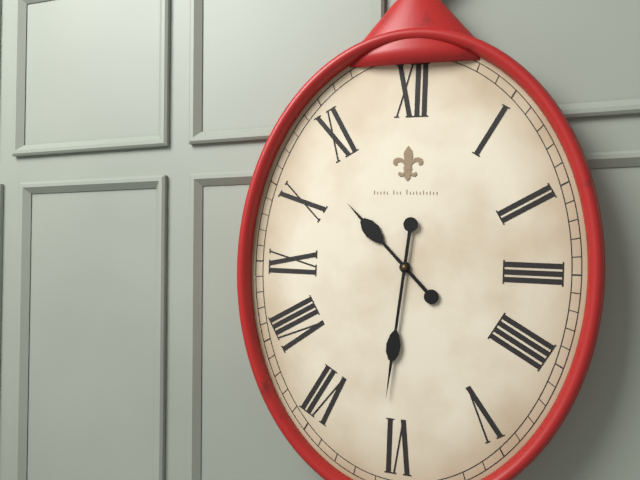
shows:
10,31
